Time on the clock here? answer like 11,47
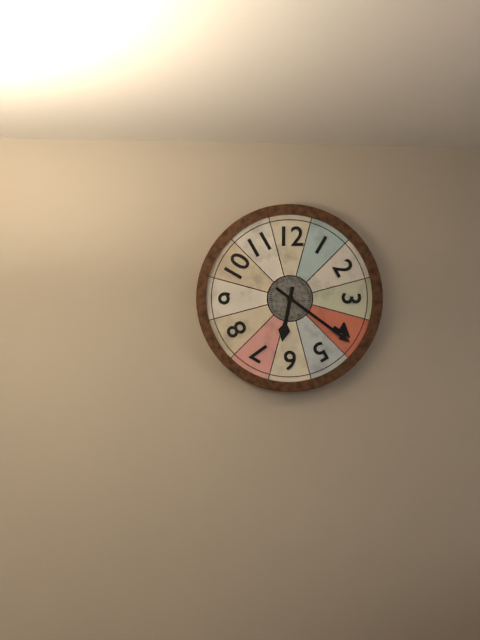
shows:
6,21
